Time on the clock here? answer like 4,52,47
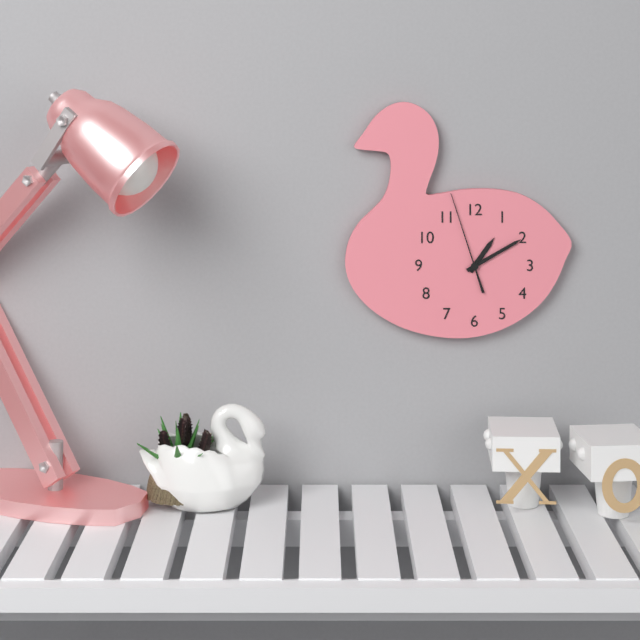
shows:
1,10,57
